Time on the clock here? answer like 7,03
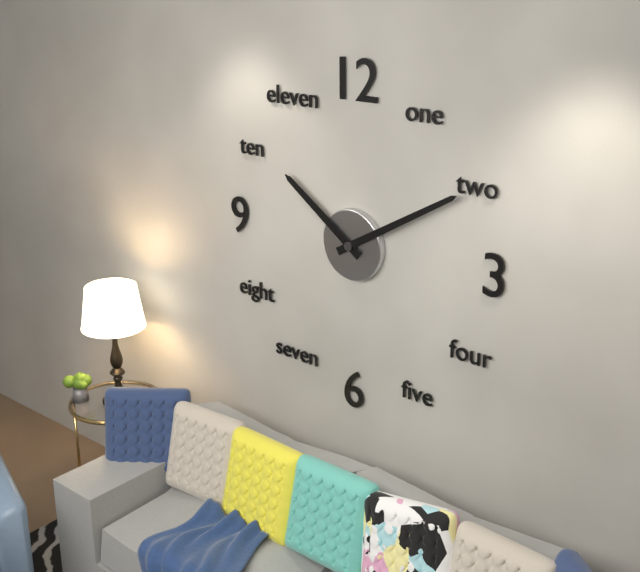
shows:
10,10
